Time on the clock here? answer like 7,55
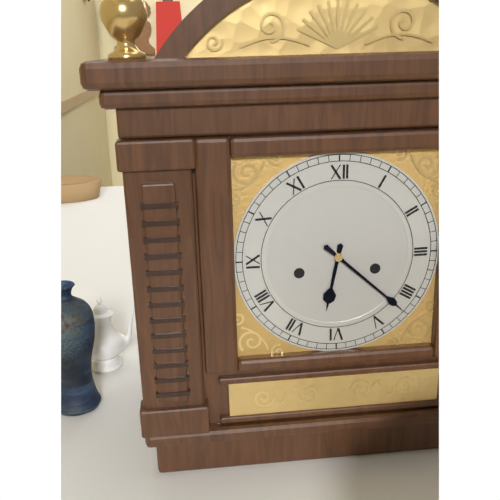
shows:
6,22
